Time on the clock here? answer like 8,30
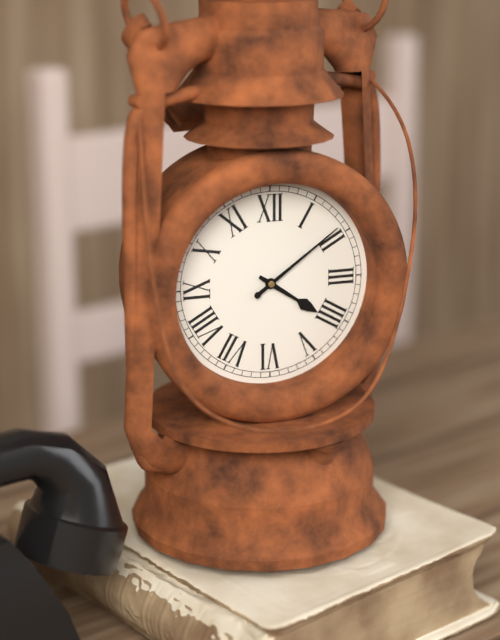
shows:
4,09
